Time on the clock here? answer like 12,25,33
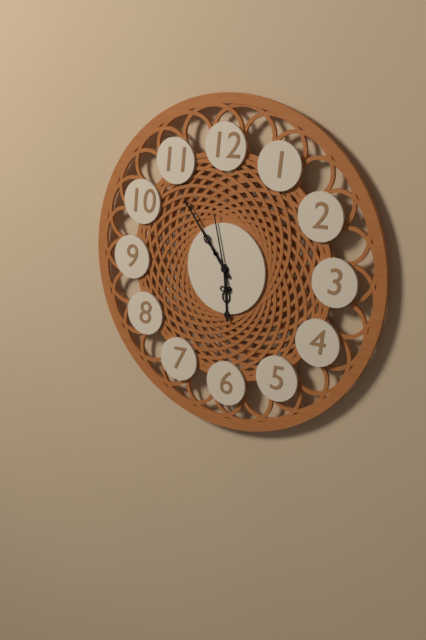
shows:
5,54,58
